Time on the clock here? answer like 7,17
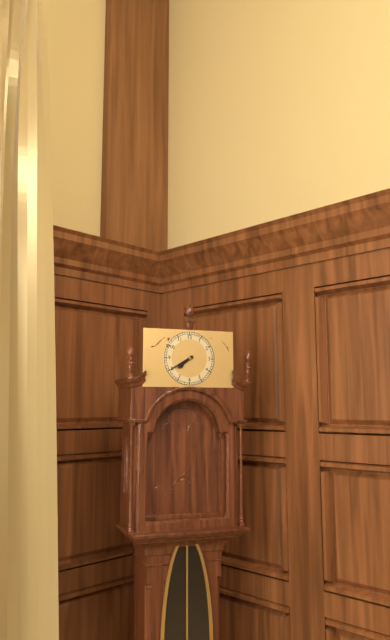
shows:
7,40
